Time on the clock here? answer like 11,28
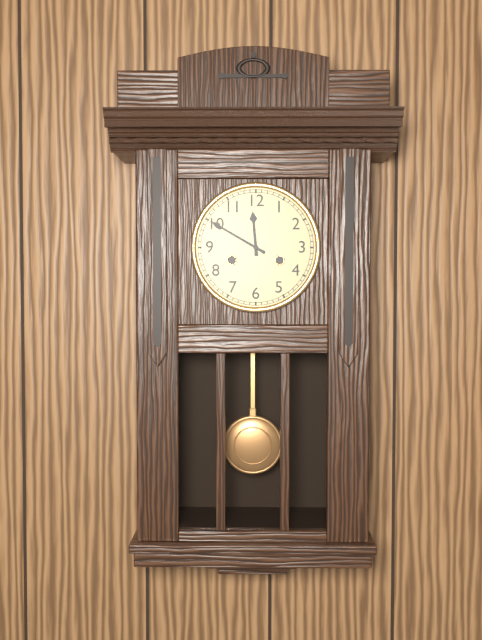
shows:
11,50
